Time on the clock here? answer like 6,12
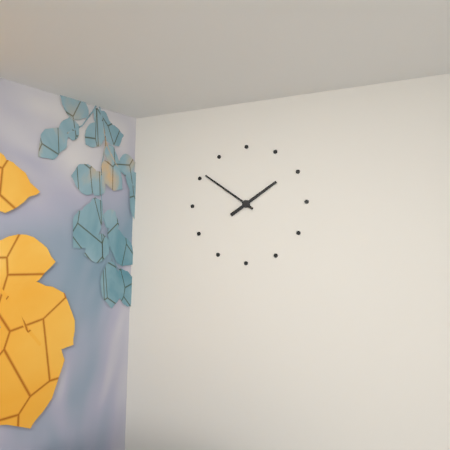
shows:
1,51
